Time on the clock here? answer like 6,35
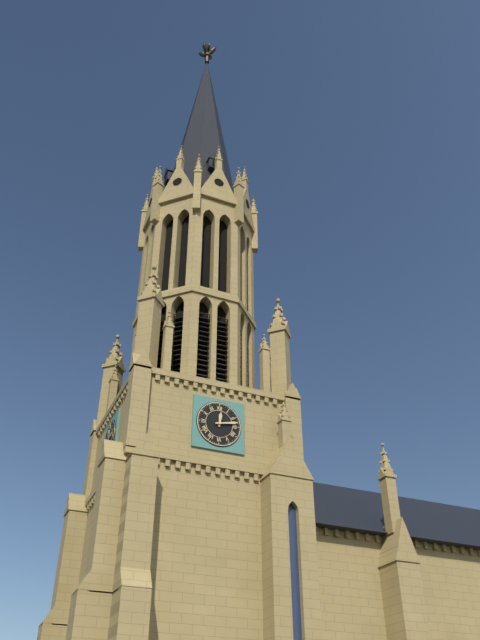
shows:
12,13
